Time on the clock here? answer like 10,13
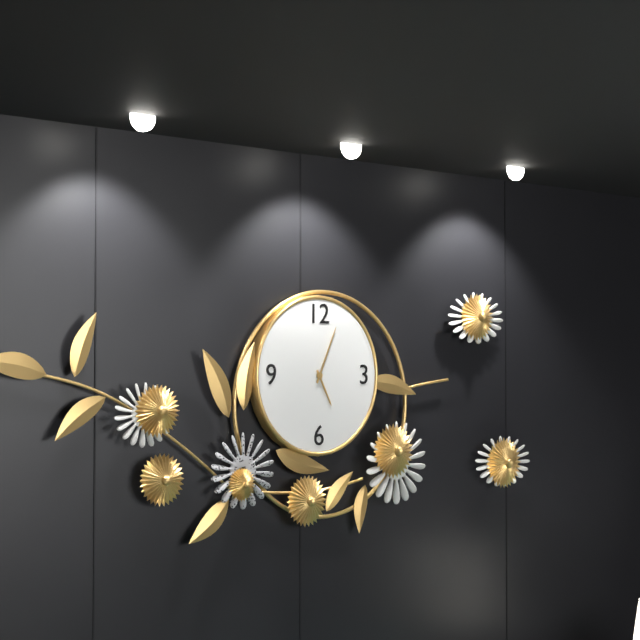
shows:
5,04
